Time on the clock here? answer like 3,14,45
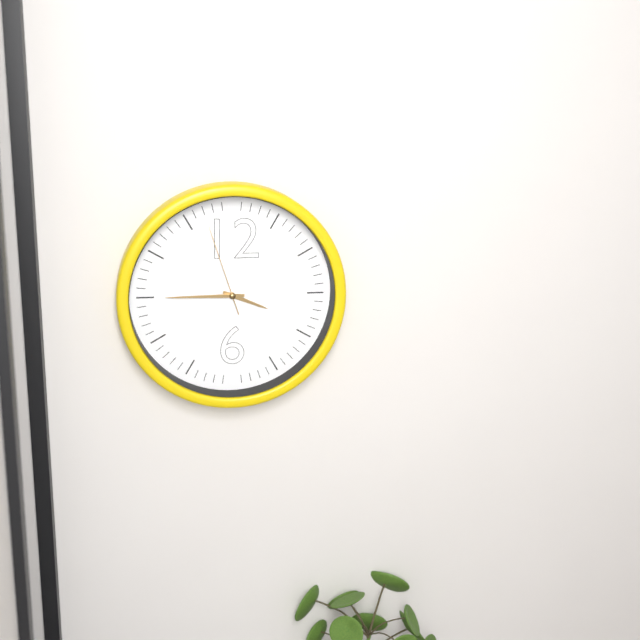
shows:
3,45,57
